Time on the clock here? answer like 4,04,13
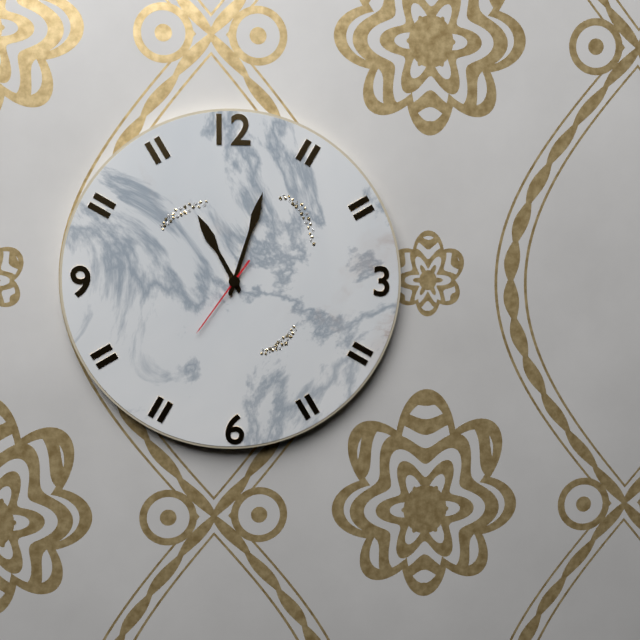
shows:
11,03,36
